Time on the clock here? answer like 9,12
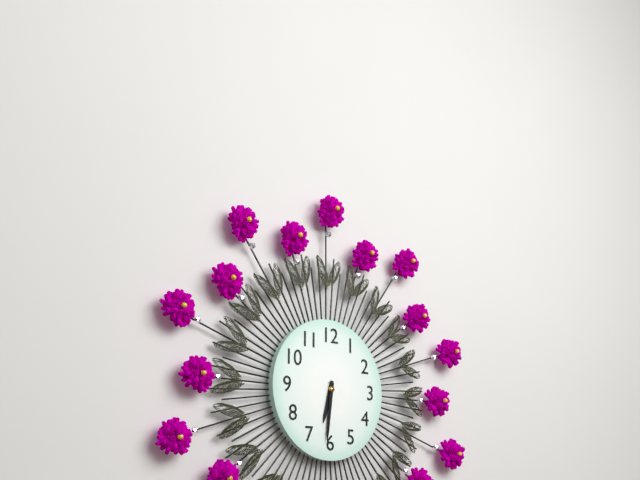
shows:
6,31
